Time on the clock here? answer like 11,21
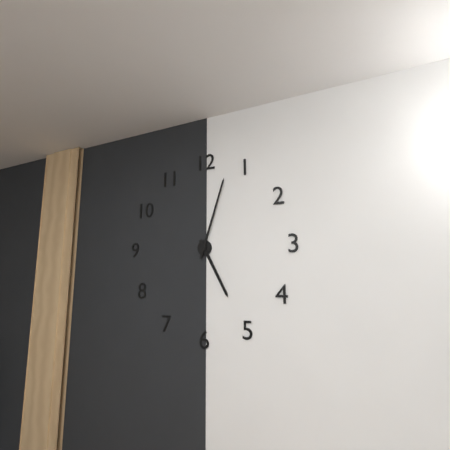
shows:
5,03
